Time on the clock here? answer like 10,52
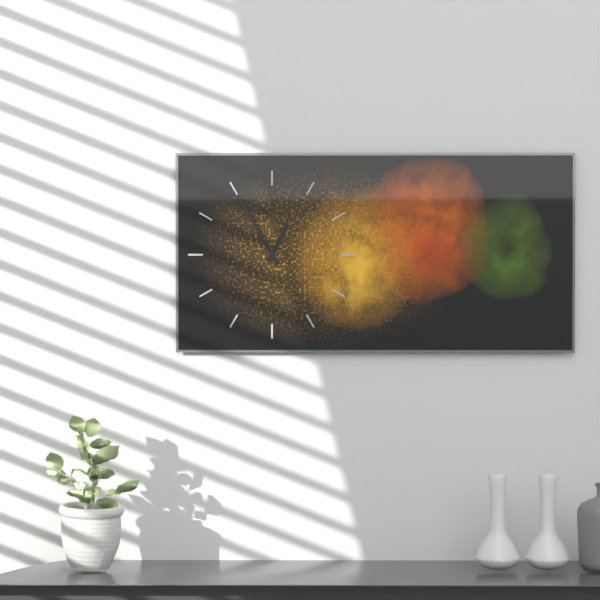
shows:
12,55
